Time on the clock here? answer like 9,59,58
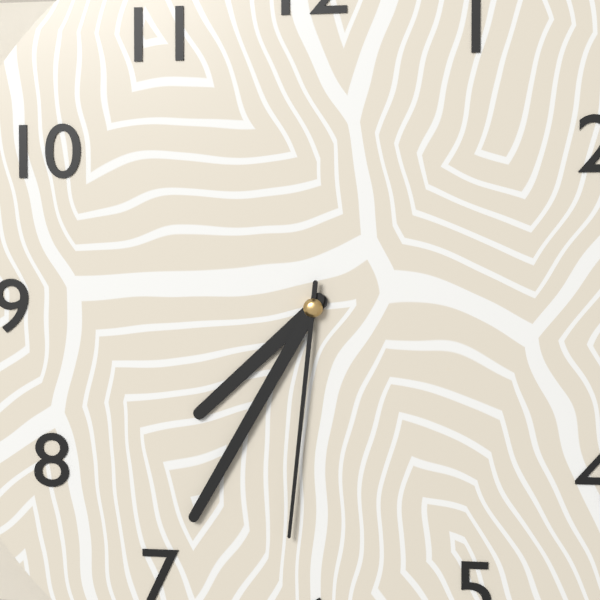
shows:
7,35,31
